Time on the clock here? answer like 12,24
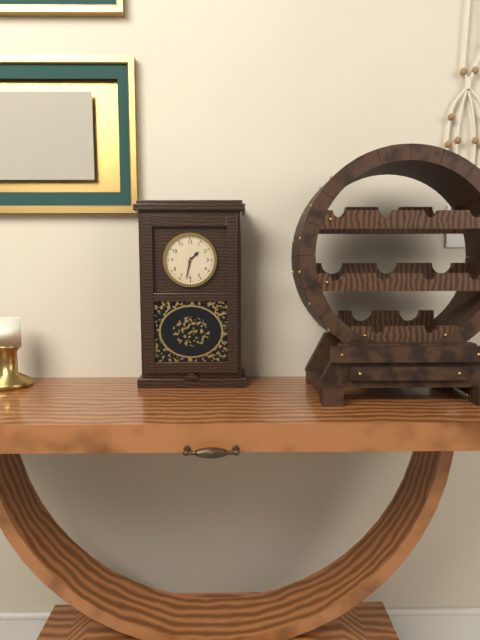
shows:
1,32
